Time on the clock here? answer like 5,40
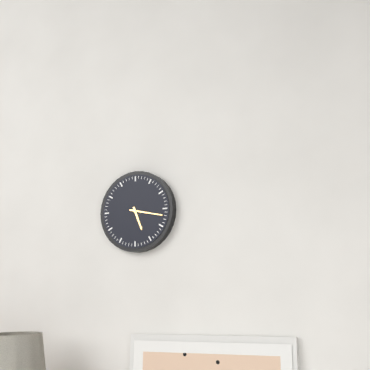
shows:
5,17
